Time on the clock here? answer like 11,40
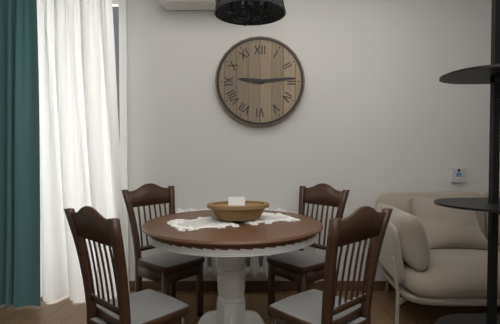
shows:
9,14
